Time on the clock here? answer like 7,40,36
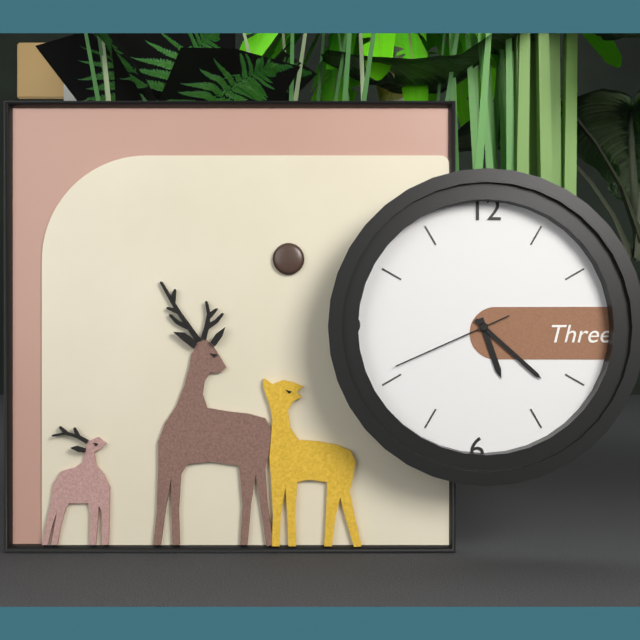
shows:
5,22,41
